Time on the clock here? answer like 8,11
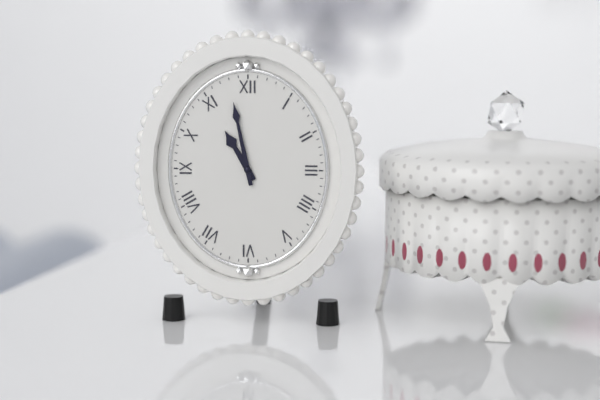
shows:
10,58
